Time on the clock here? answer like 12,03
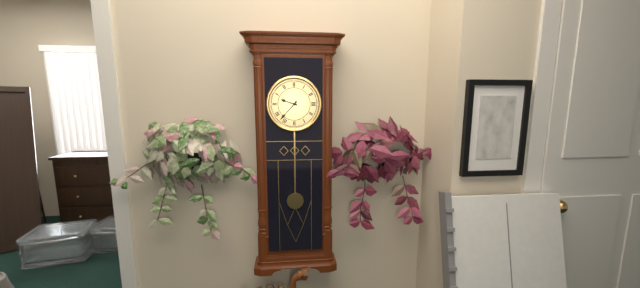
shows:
9,37
